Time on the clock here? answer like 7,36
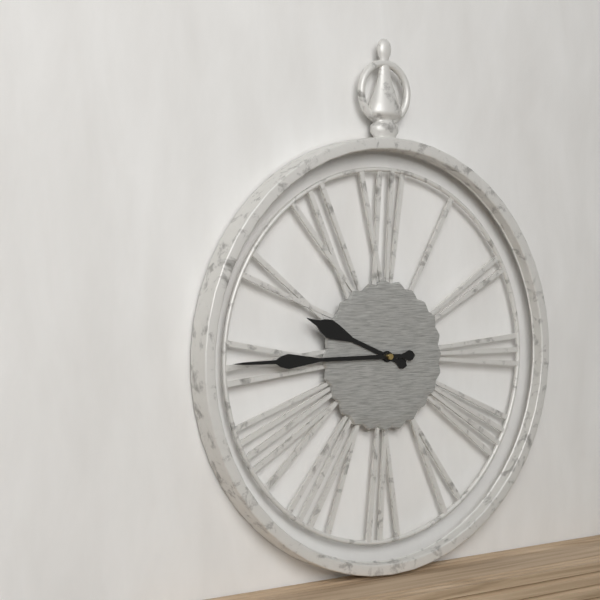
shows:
9,45
